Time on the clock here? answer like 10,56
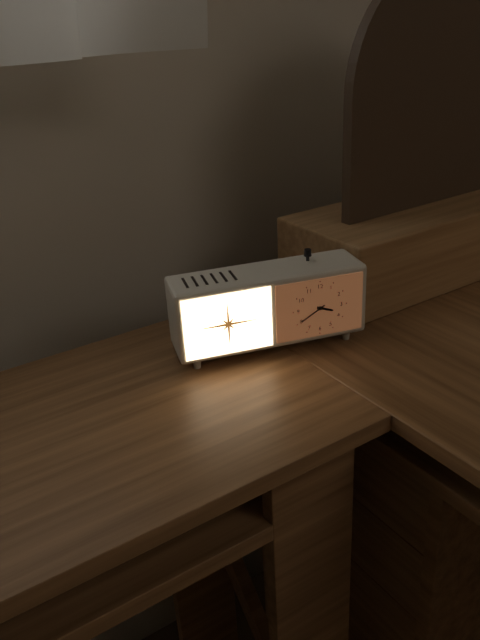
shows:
3,40
